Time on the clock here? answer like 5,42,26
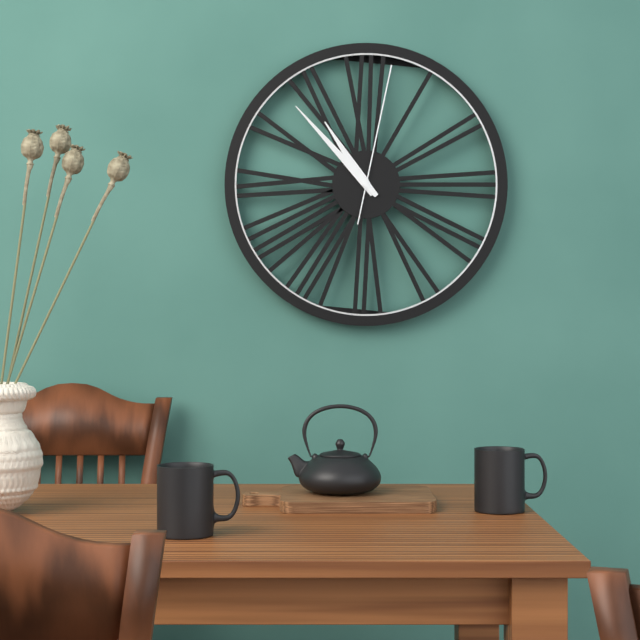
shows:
10,53,02
